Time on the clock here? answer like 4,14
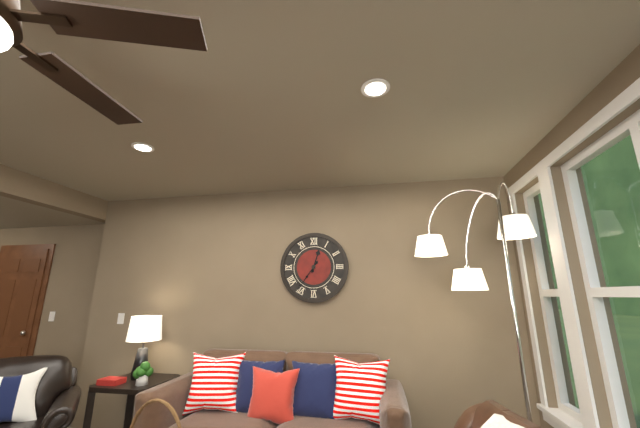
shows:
12,36
